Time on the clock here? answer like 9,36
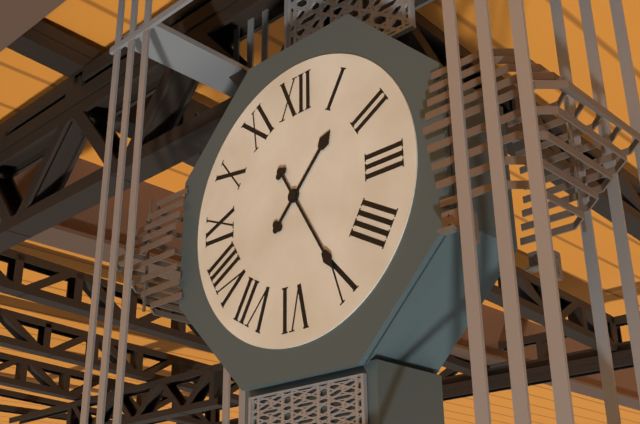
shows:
1,25
